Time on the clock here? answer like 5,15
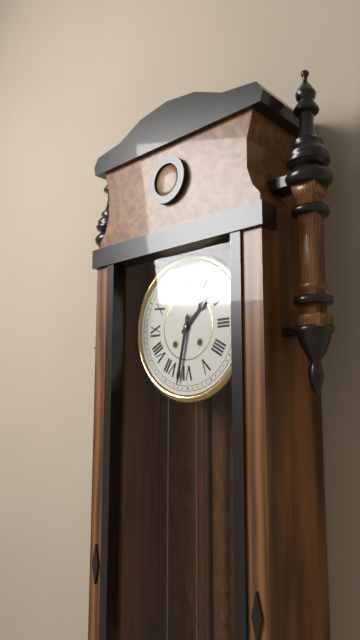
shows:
1,32
